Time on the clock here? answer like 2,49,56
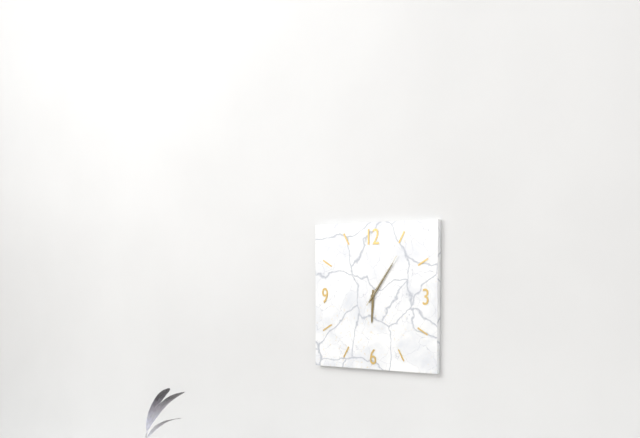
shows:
6,06,06
